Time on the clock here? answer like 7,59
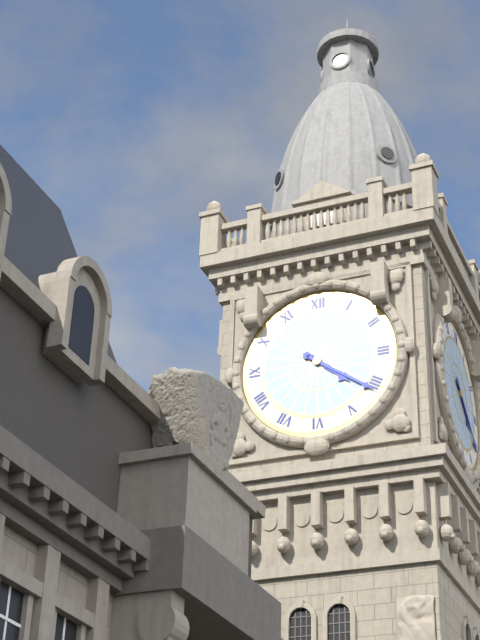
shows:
4,21
